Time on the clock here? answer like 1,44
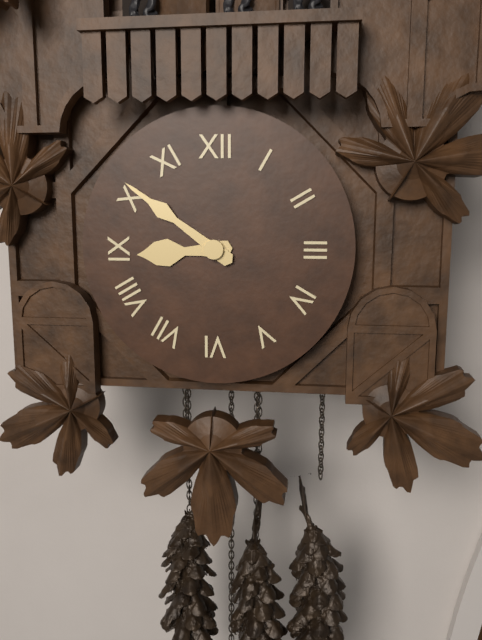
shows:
8,51
